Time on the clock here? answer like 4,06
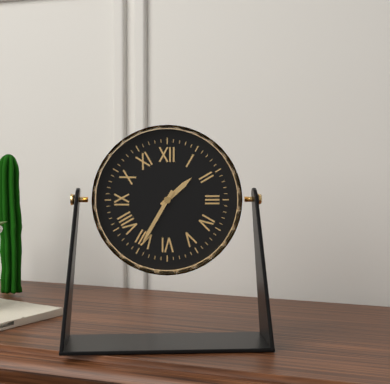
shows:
1,35
